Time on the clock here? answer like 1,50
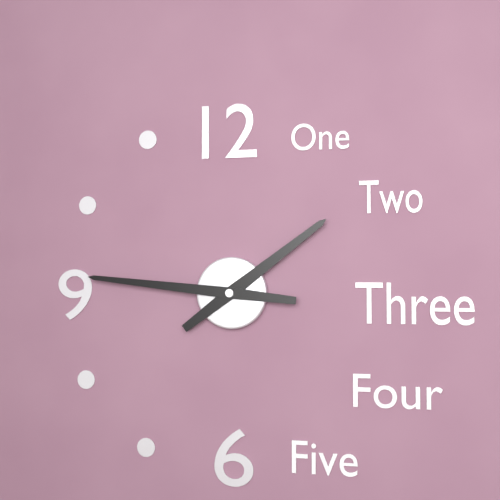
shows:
1,46
